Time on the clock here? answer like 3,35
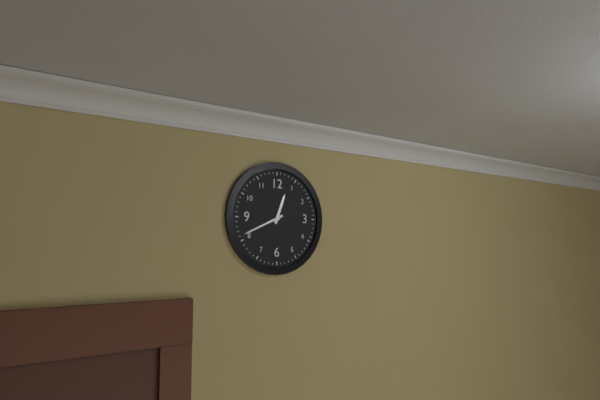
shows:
12,41
